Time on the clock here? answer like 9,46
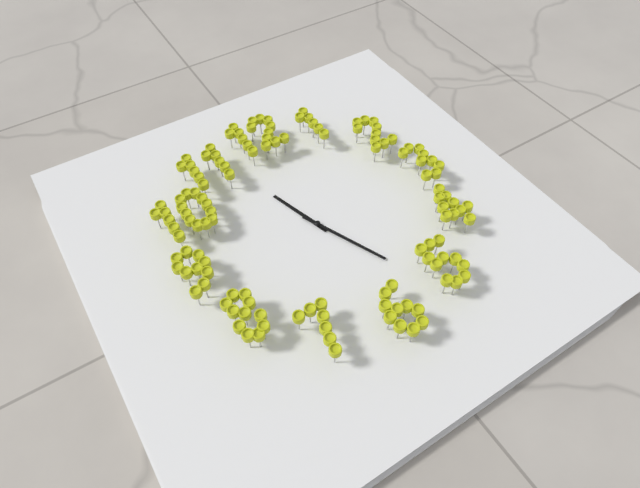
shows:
11,26
